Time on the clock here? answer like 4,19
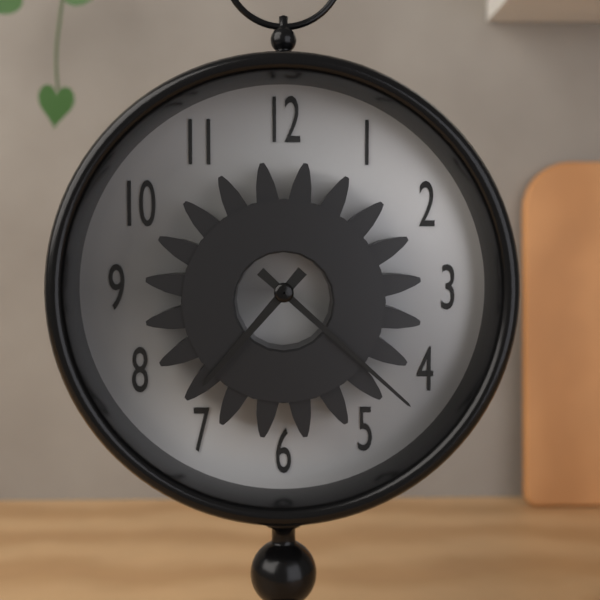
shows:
7,22
